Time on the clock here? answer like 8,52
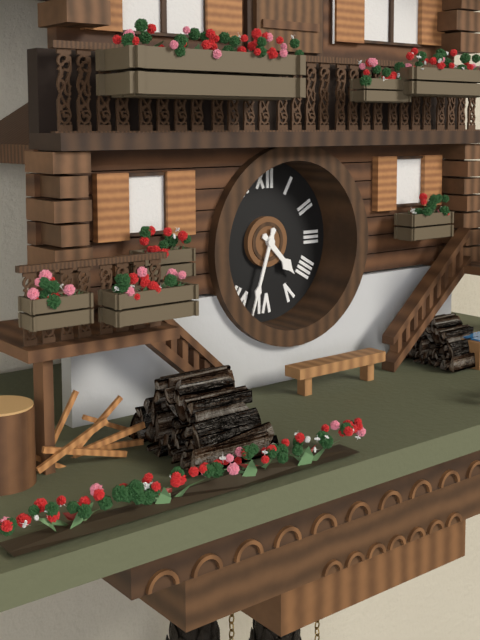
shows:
4,33
